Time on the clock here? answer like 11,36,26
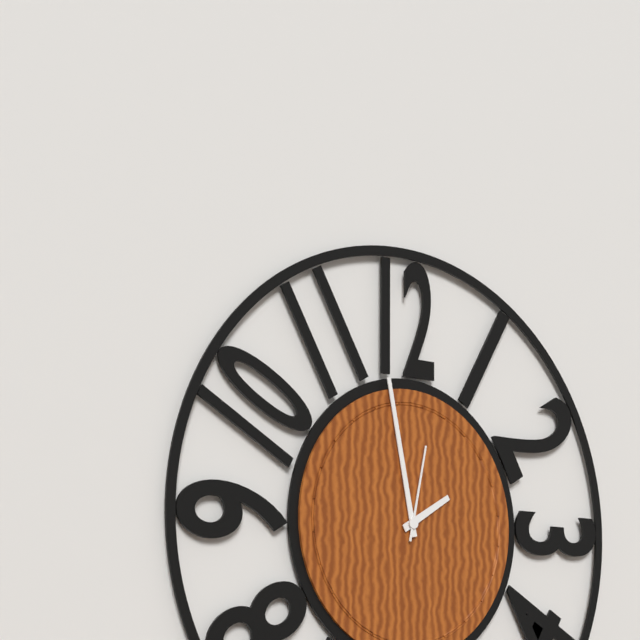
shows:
1,58,02
